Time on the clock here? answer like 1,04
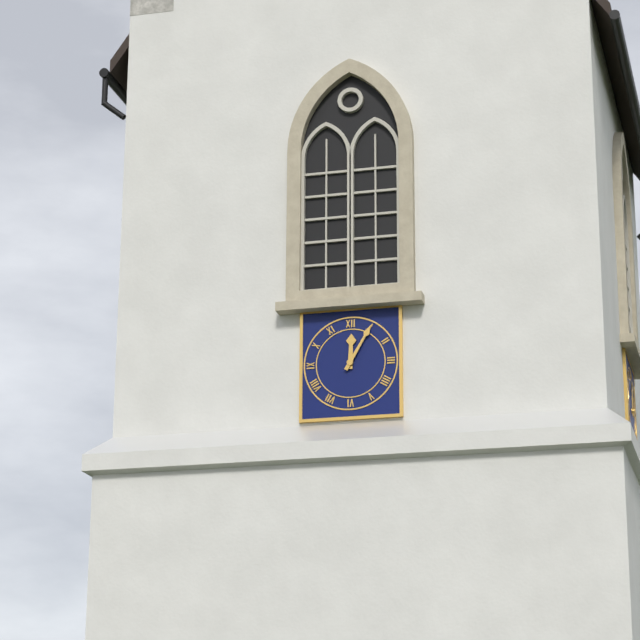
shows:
12,05
